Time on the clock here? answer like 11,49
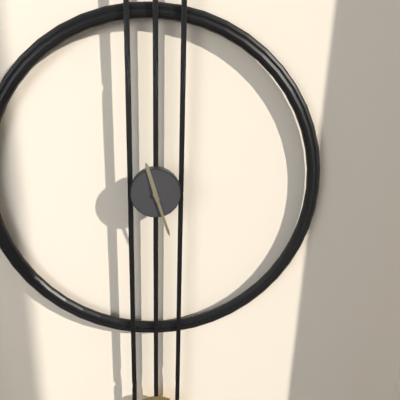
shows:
11,27
